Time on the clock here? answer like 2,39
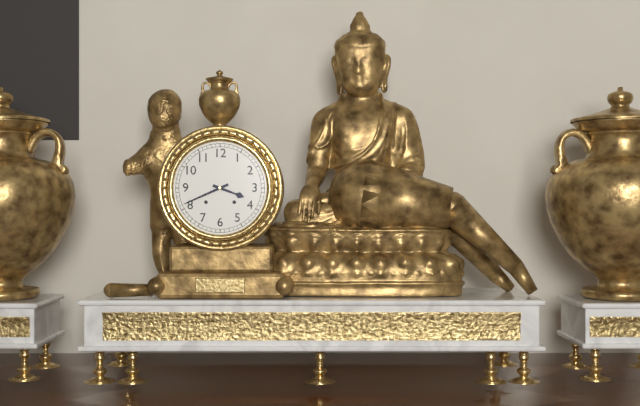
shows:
3,41
